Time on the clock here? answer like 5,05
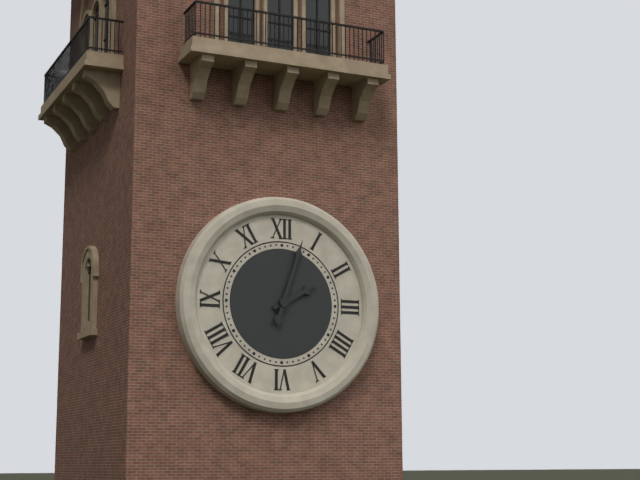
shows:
2,03
